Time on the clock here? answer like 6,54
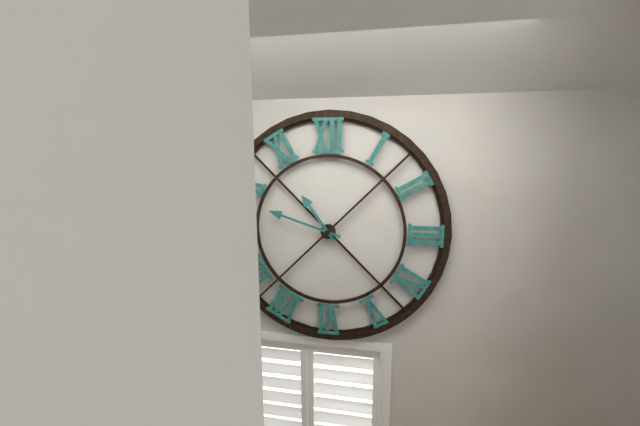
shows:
10,48
